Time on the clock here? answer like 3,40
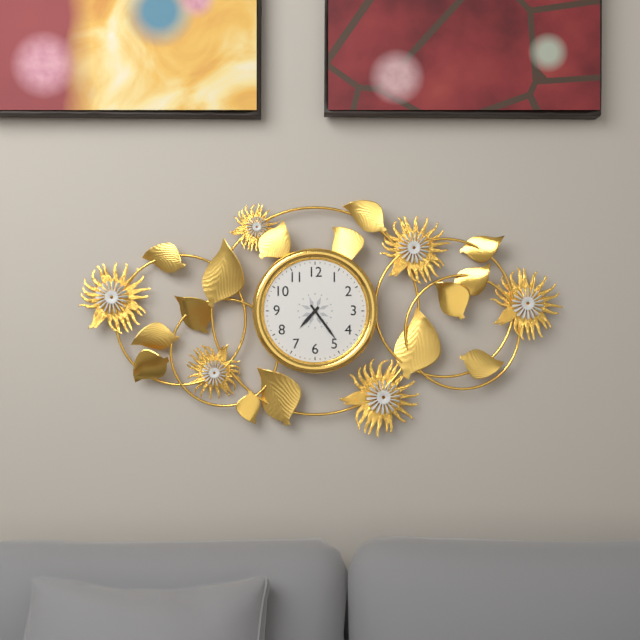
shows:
7,24
